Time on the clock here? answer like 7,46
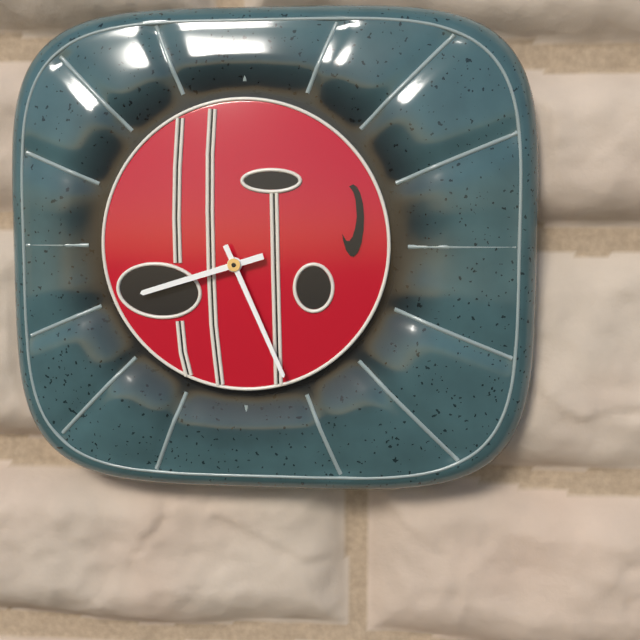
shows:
8,26
